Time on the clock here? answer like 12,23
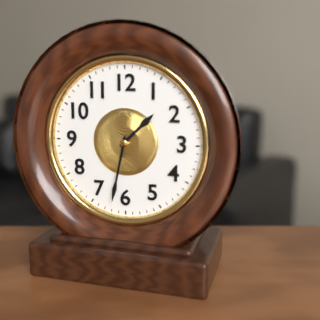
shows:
1,32
